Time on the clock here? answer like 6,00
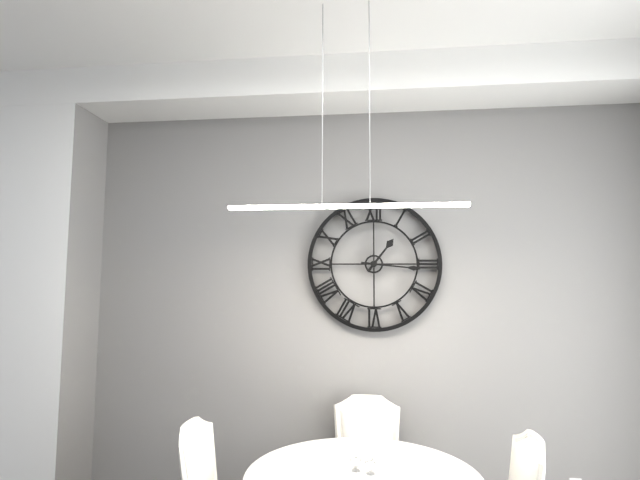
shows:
1,16
